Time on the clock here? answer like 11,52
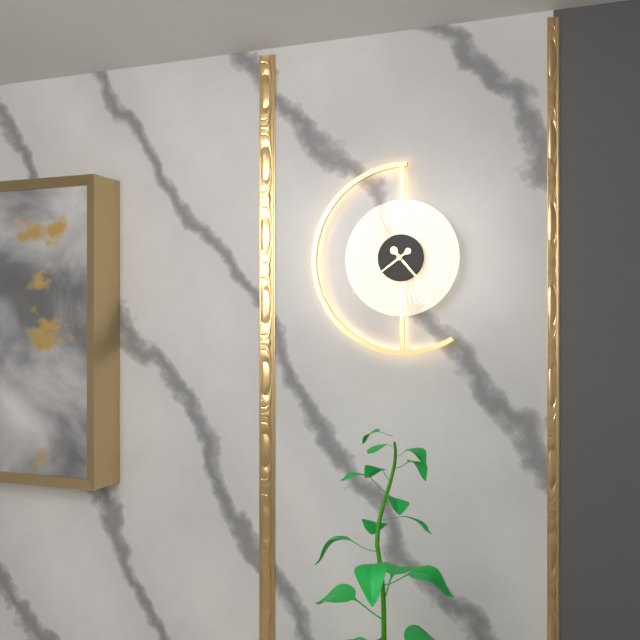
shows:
4,39
